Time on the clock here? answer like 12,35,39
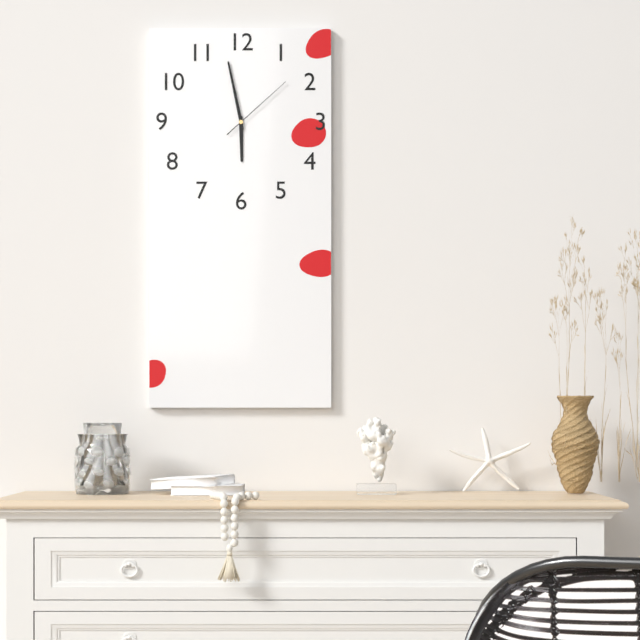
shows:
5,58,08
